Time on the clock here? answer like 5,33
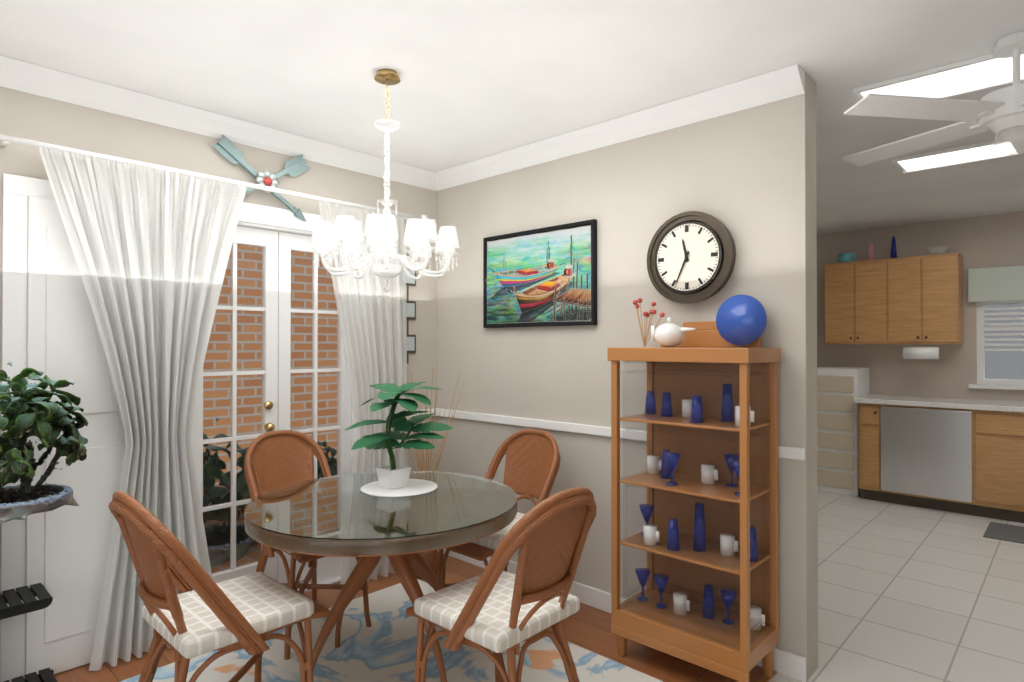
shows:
11,34
